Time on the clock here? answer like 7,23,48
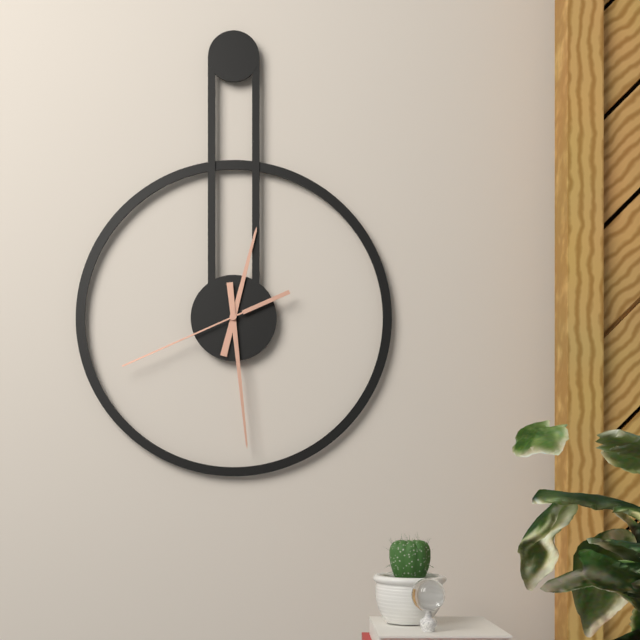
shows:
12,29,41
